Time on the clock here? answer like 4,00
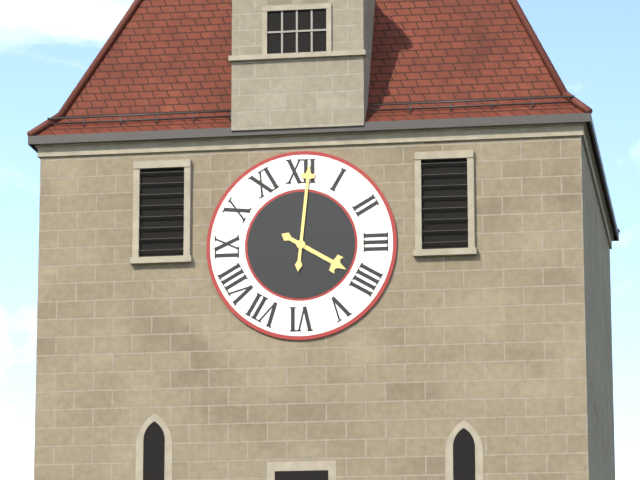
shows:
4,01
